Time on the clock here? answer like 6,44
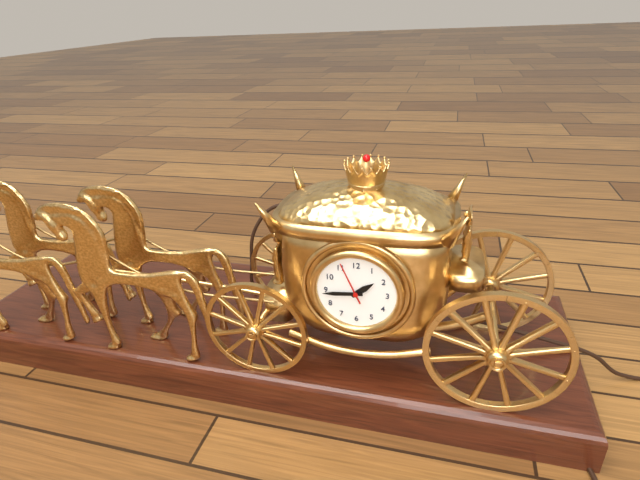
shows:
1,44
